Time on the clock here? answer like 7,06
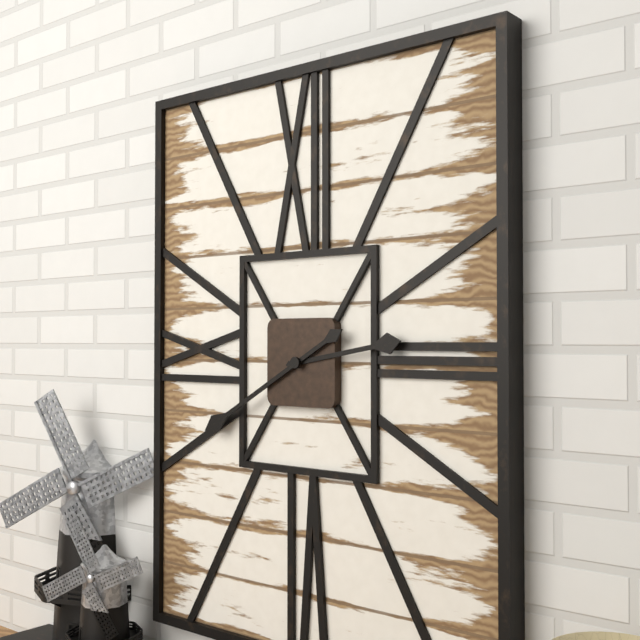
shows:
2,40
